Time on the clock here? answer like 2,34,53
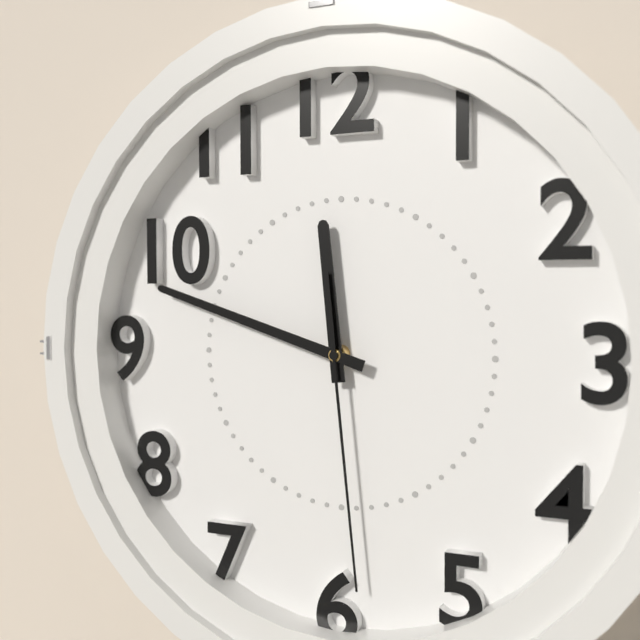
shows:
11,48,29
